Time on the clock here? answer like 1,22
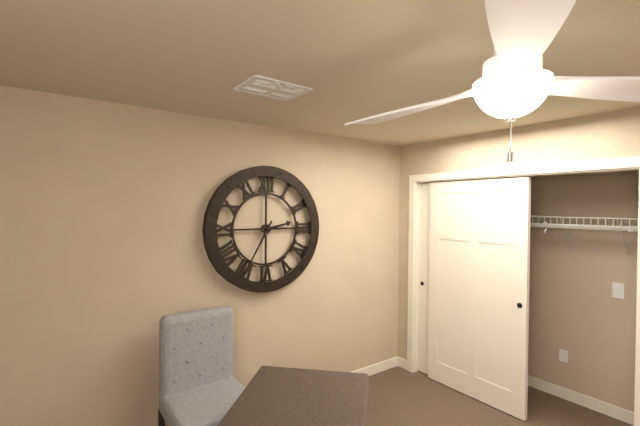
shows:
2,35
